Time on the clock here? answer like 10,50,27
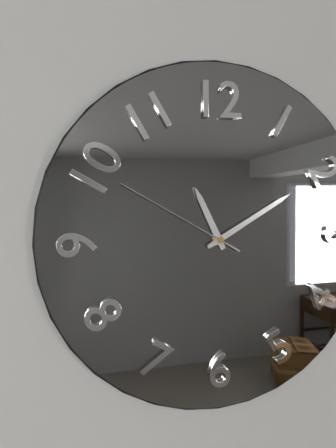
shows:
11,10,50
